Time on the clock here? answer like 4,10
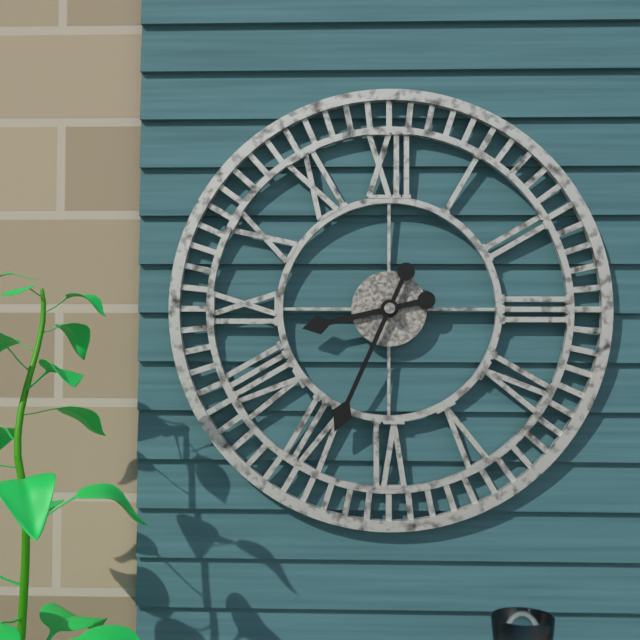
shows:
8,34
